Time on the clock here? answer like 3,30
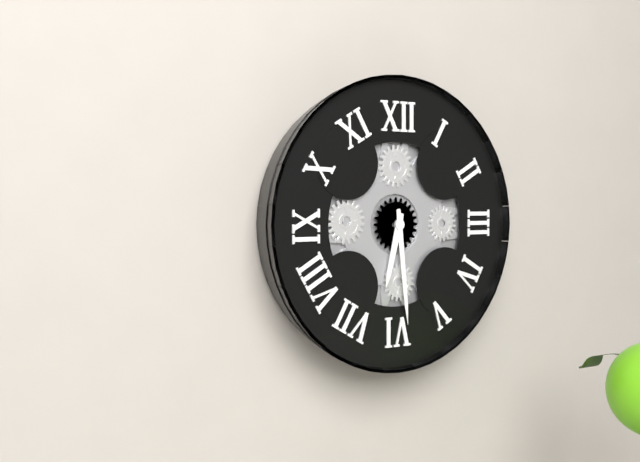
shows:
6,29
